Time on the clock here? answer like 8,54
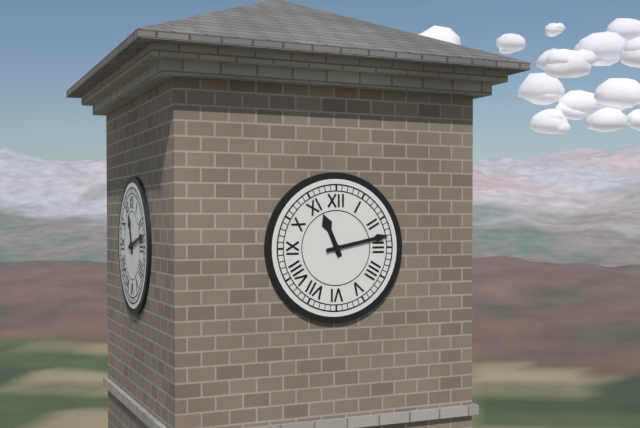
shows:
11,13
